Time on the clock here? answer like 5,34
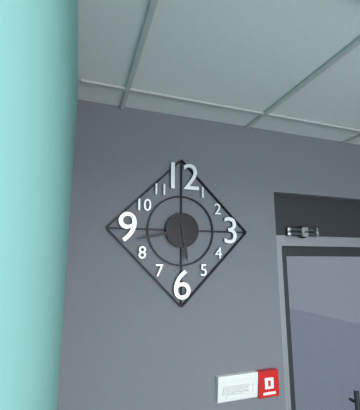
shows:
5,43
